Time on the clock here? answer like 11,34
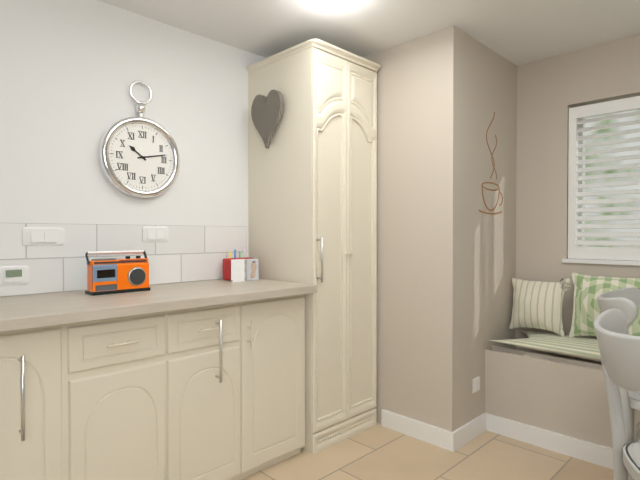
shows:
10,13
